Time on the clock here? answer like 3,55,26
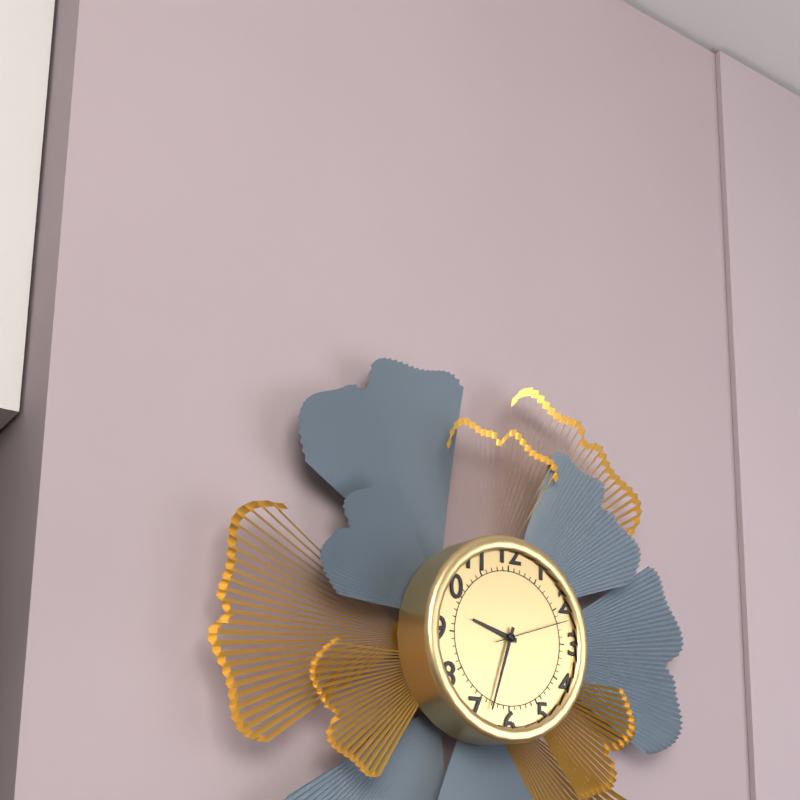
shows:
9,33,12
